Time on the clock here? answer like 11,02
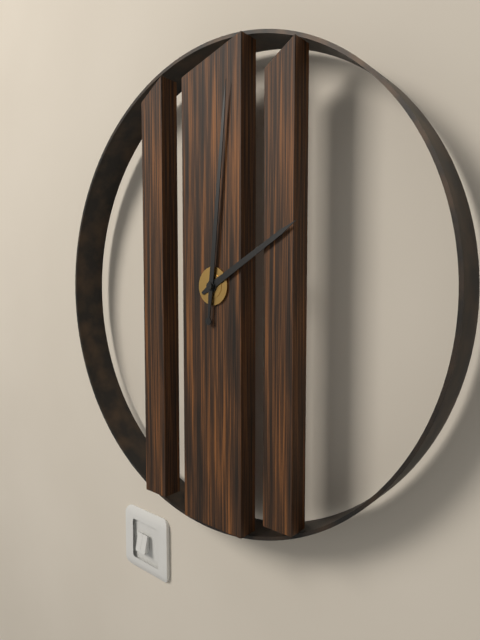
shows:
2,01
